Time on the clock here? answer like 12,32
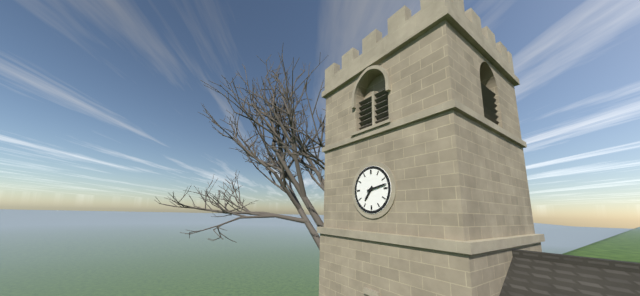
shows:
7,13
